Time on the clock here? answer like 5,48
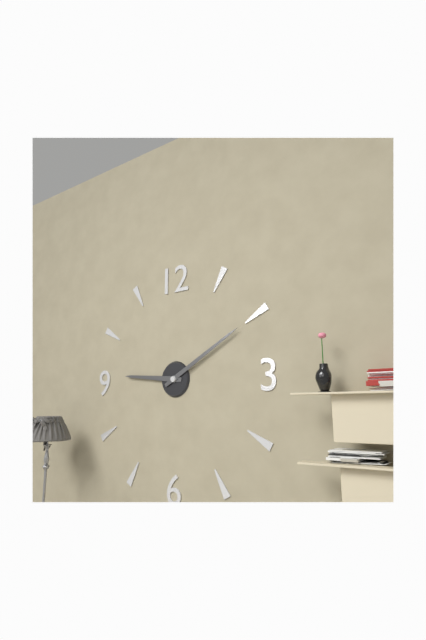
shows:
9,10
